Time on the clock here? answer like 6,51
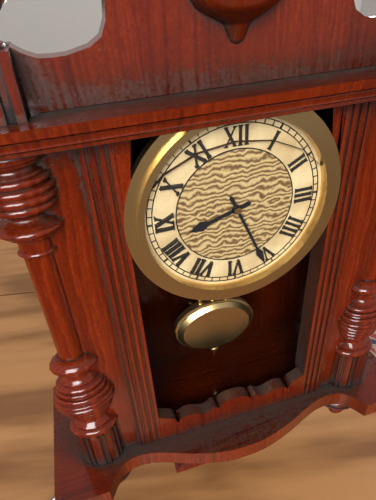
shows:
8,26
